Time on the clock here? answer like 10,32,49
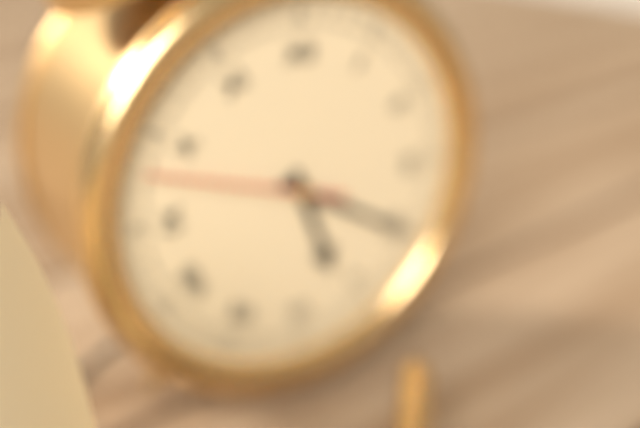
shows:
5,20,48
